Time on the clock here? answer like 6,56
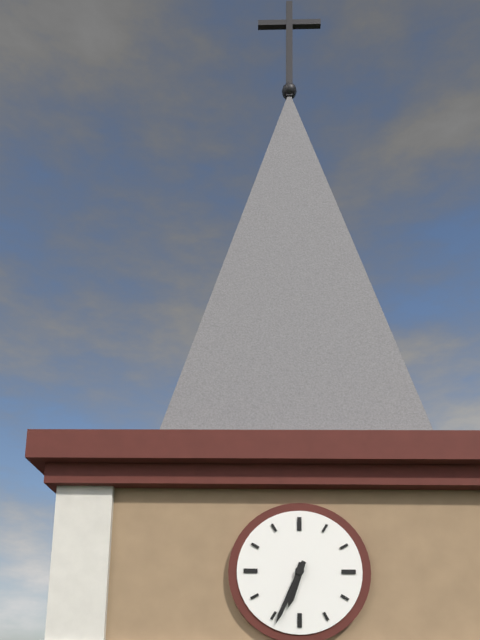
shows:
6,34
